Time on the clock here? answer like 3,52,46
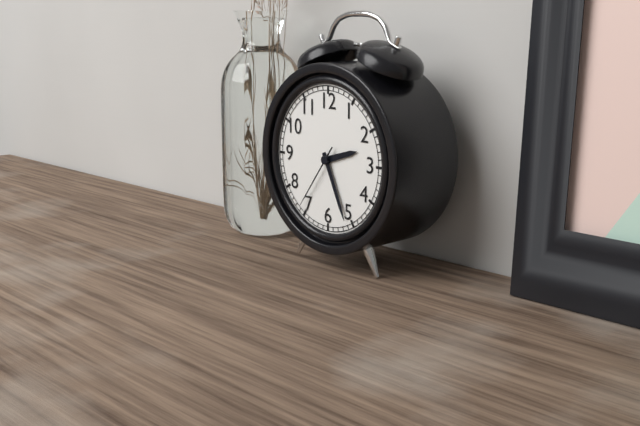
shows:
2,26,36
